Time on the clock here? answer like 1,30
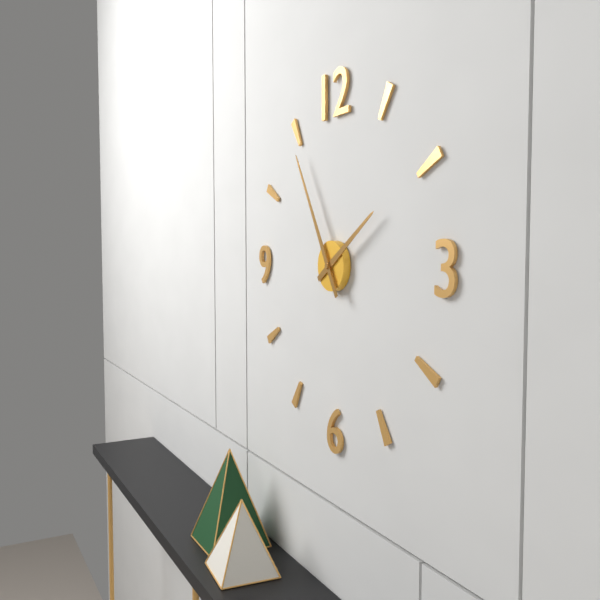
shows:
1,55
